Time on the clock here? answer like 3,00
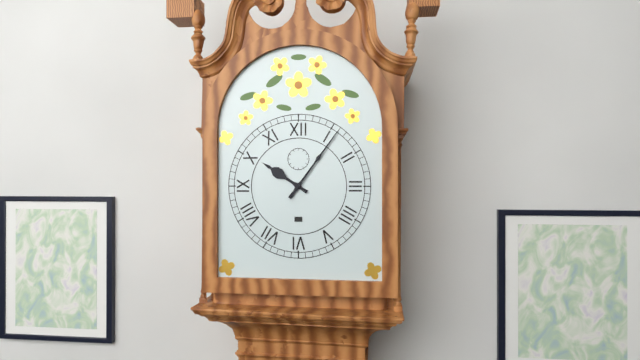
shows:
10,06
